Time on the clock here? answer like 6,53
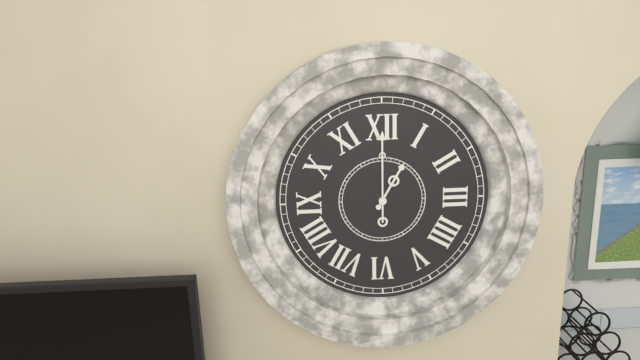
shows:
1,00
